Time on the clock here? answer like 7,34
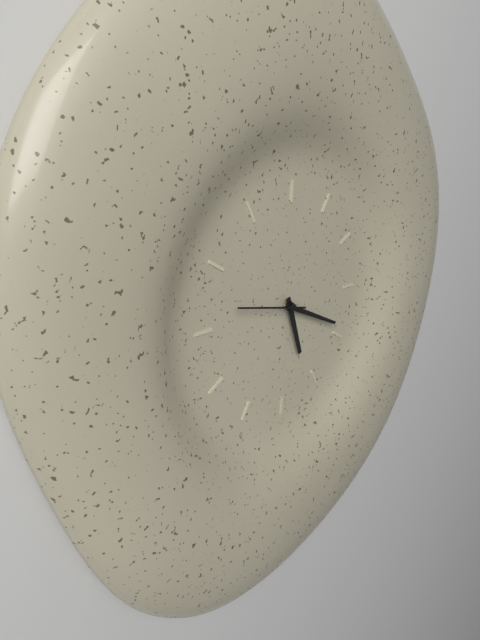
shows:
5,19
